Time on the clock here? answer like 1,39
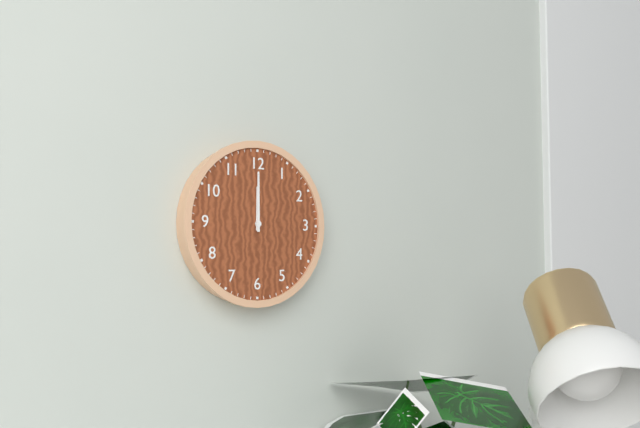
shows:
12,00
